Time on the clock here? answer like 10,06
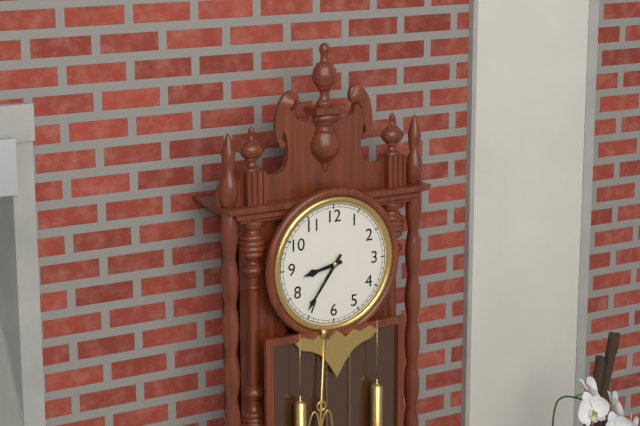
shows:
8,36
